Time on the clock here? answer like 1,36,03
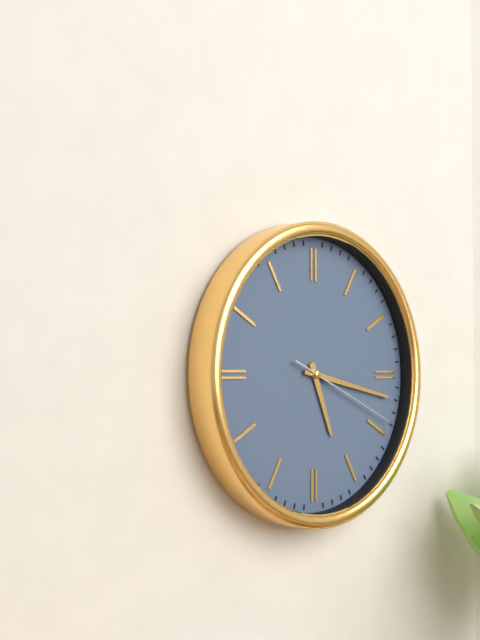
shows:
5,17,19
